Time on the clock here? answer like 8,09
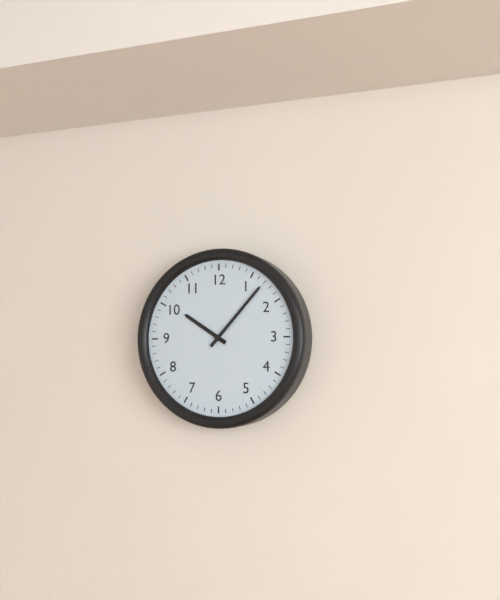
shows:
10,07
